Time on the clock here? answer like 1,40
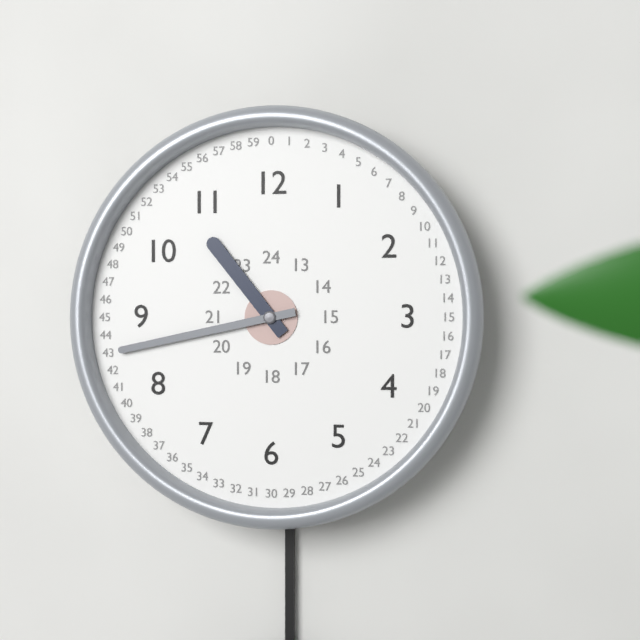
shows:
10,43
